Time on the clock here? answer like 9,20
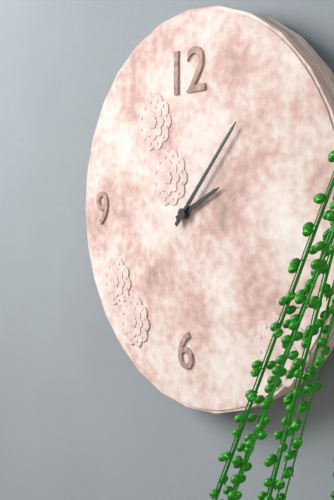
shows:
2,07
